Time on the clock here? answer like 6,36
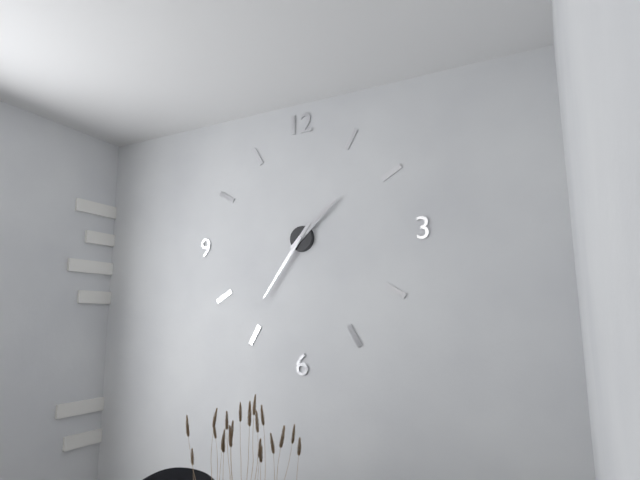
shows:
1,36
